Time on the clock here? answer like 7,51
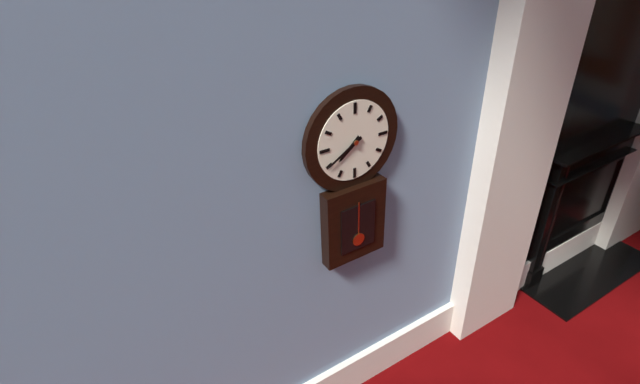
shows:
7,40
